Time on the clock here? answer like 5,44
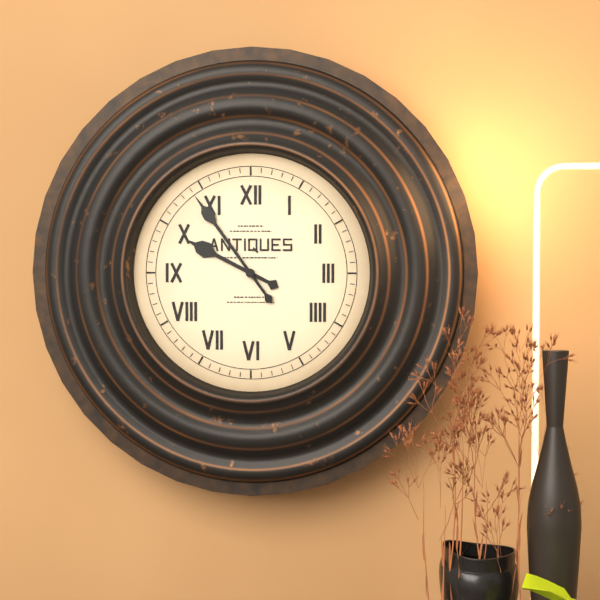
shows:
9,54
